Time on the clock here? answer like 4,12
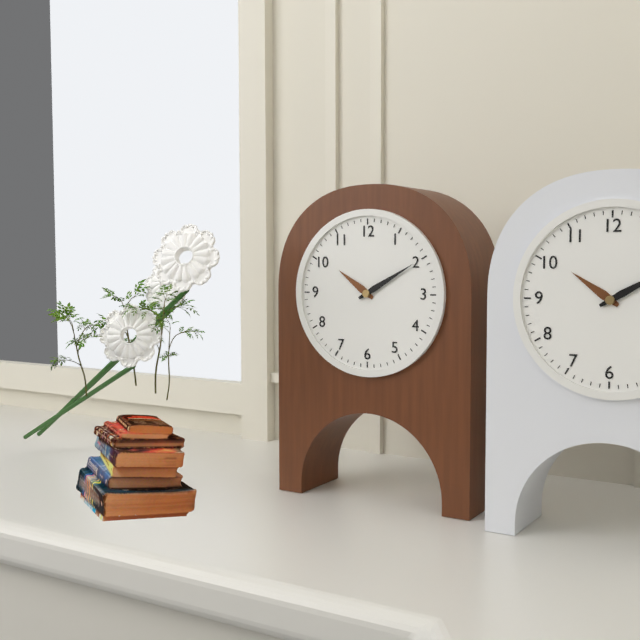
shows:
10,10
